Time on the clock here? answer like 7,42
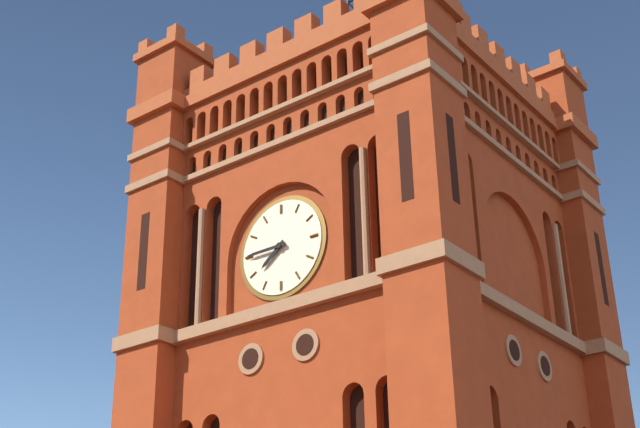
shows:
7,45
